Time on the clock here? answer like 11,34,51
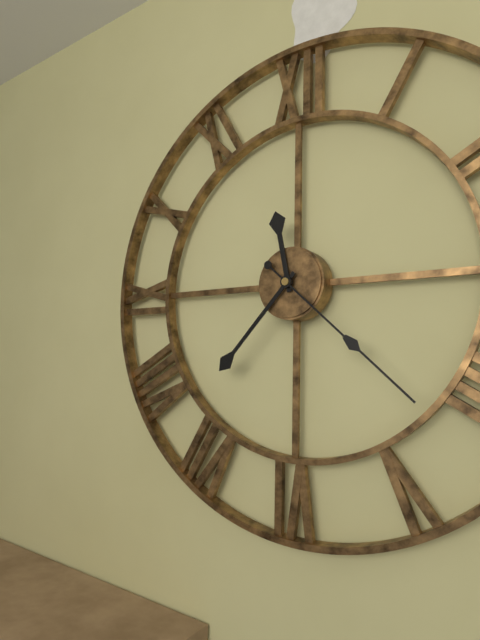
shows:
11,37,22
